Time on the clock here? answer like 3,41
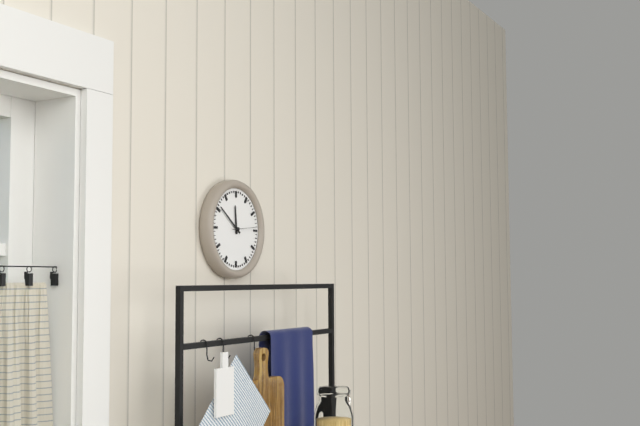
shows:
11,51
